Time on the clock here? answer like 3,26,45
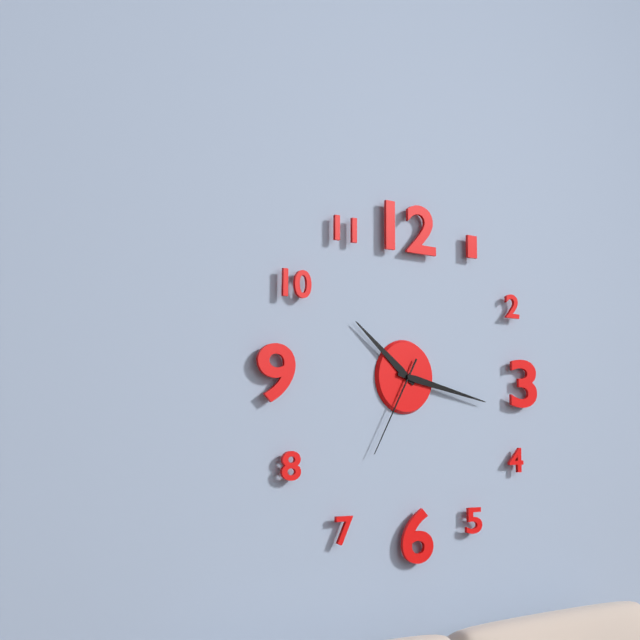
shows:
10,17,35
